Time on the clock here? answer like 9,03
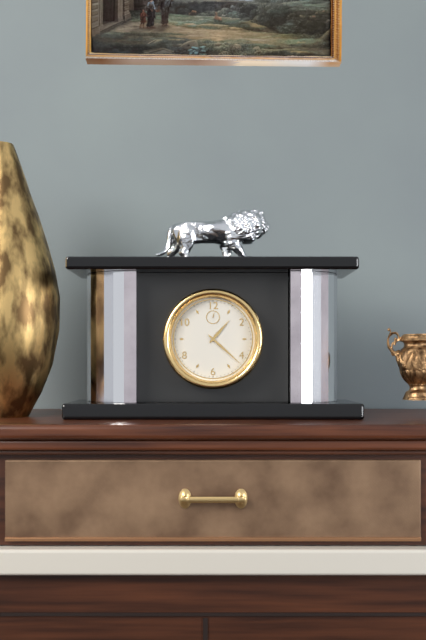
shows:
1,22
